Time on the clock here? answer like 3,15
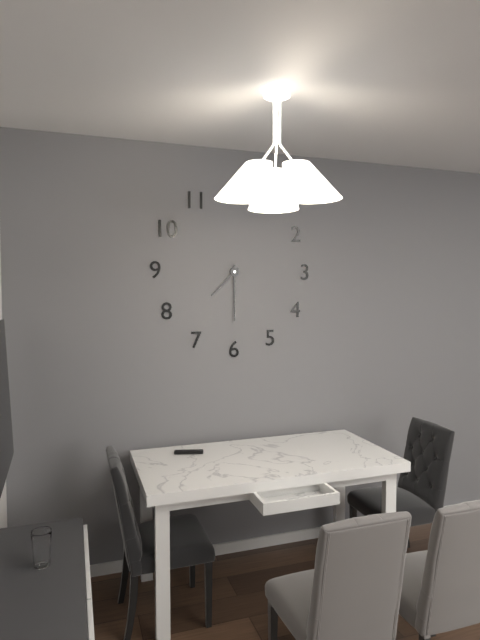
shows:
7,30
